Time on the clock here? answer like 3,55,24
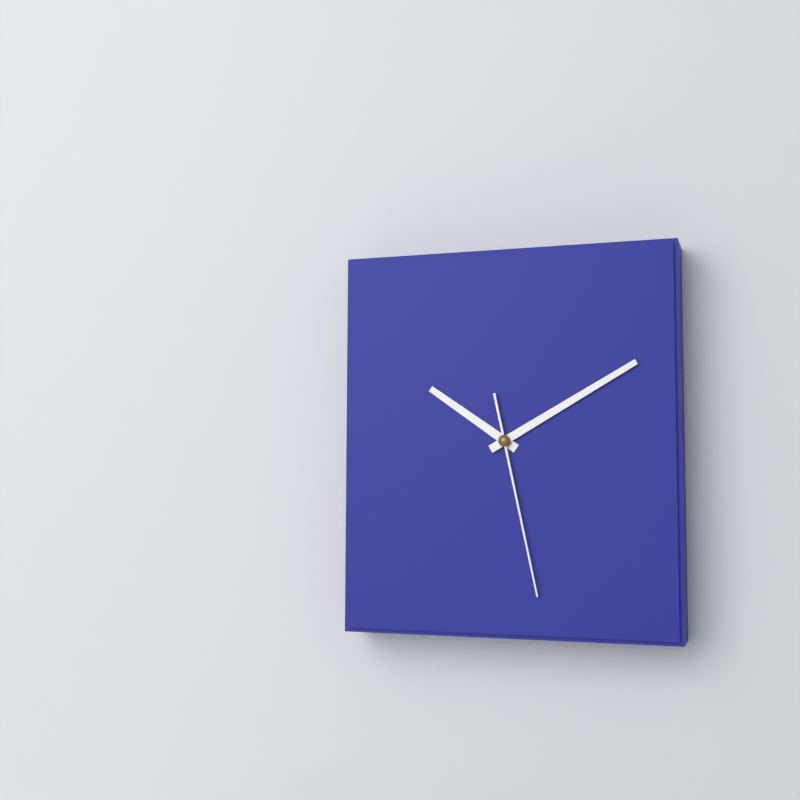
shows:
10,10,28
